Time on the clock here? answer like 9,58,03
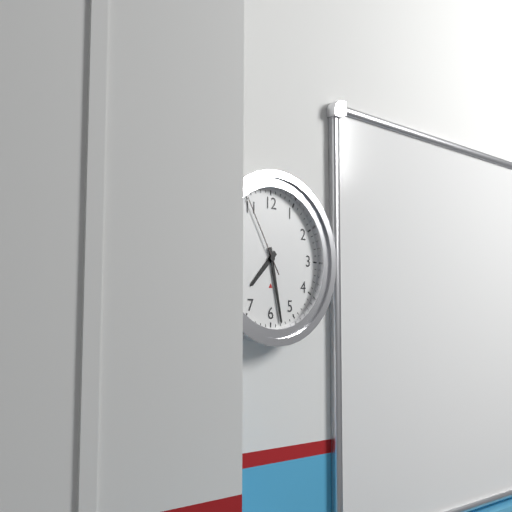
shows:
7,28,55
